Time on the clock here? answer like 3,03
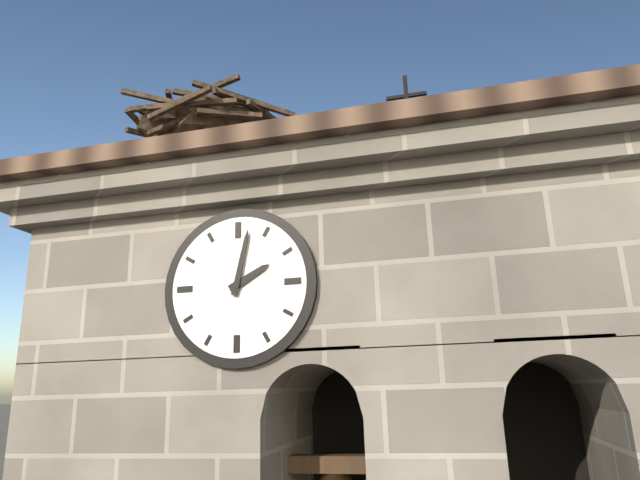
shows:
2,02
